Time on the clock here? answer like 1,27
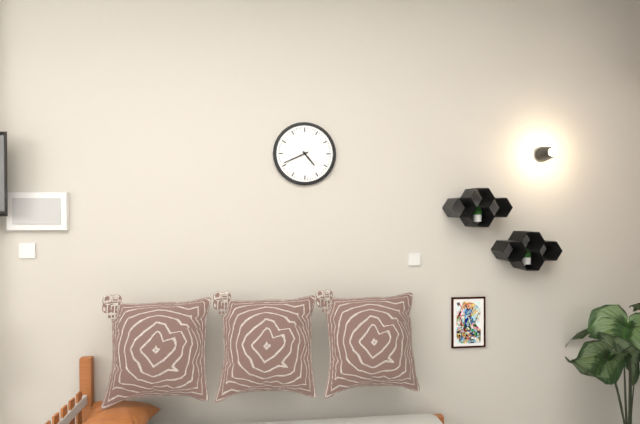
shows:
4,41
